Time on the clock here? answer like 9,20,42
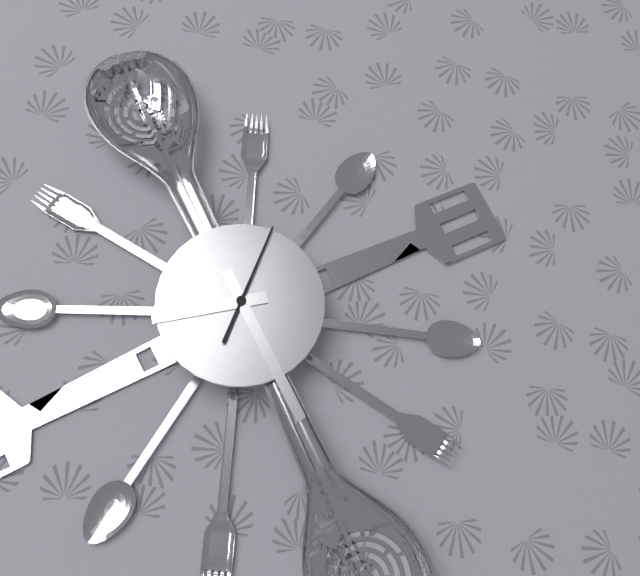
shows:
9,30,08
